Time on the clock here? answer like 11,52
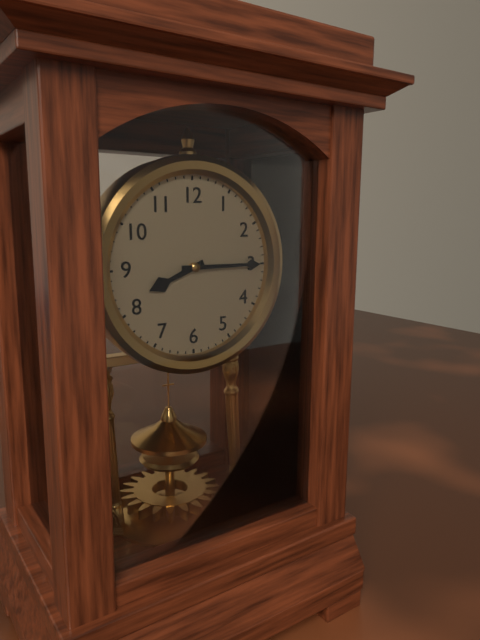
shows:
8,15
